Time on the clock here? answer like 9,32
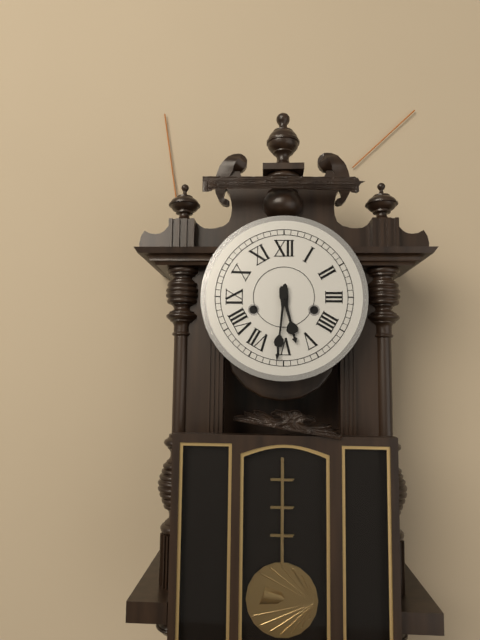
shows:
5,31
